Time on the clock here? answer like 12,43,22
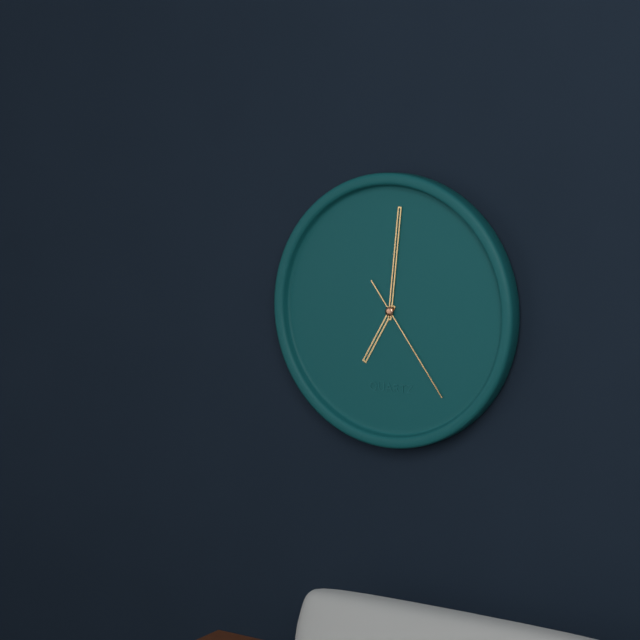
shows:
7,01,24
